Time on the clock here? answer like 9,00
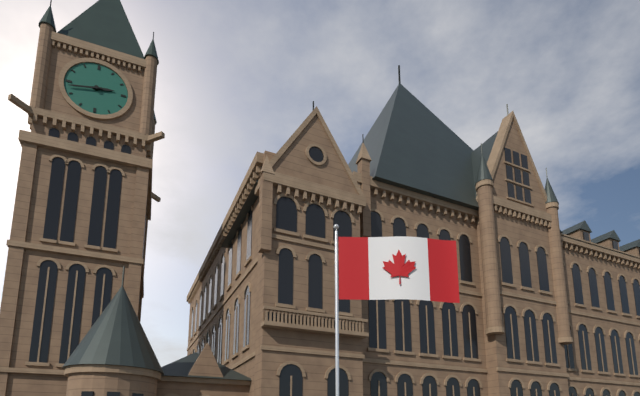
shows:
2,43
